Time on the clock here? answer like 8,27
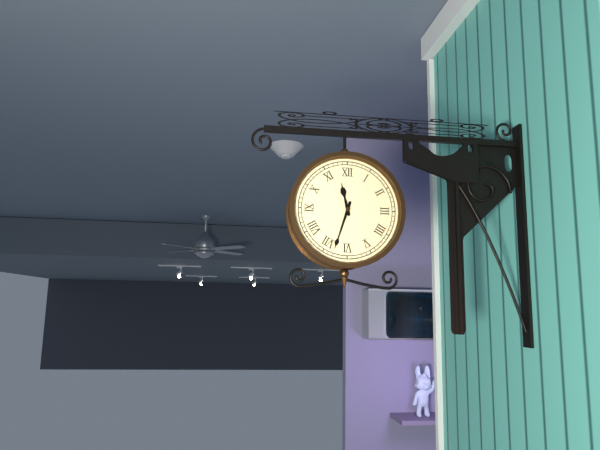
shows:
11,33
